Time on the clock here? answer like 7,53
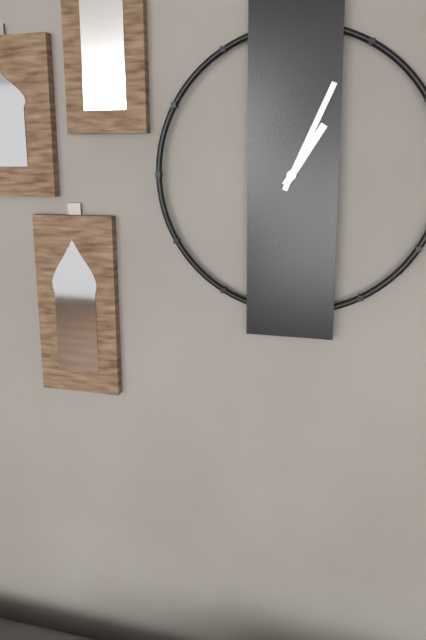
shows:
1,04
